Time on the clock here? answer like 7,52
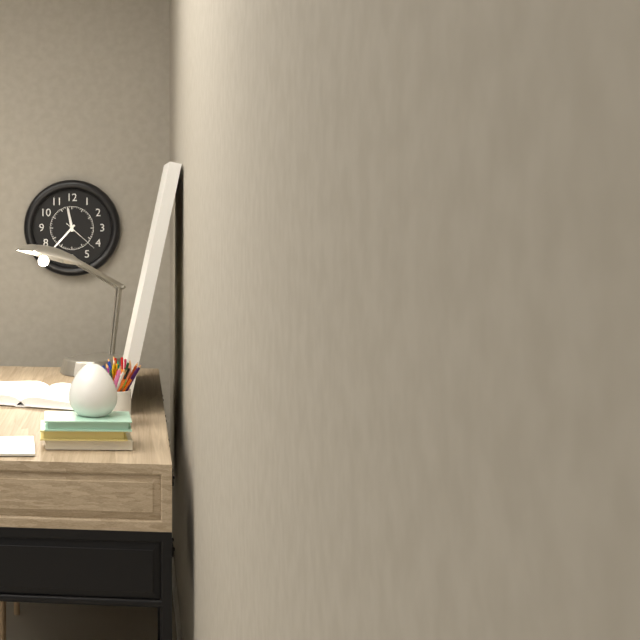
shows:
11,37
